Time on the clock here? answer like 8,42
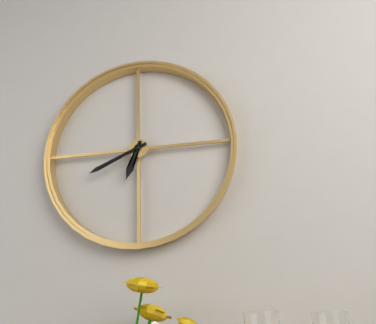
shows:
6,41
